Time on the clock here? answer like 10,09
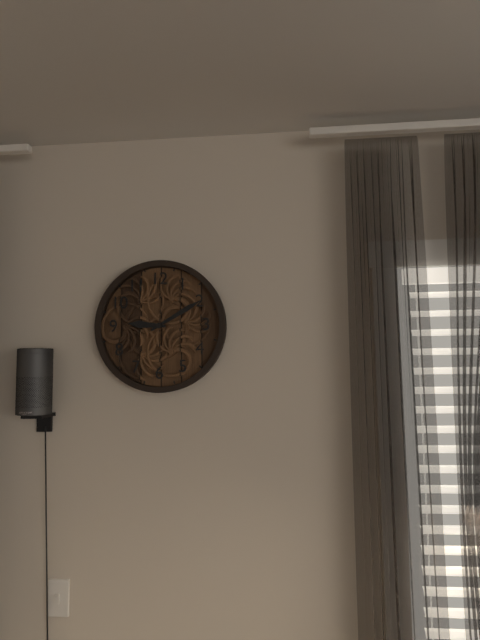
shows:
9,10
